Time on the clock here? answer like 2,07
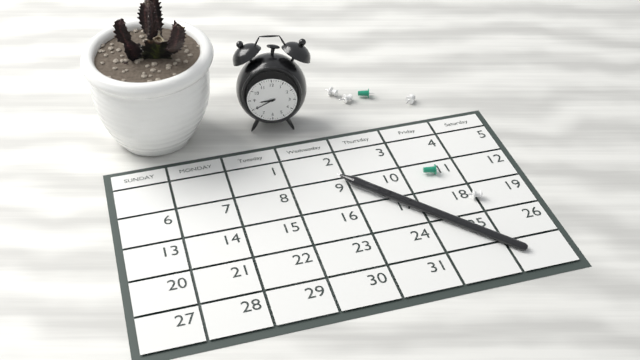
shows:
8,40
